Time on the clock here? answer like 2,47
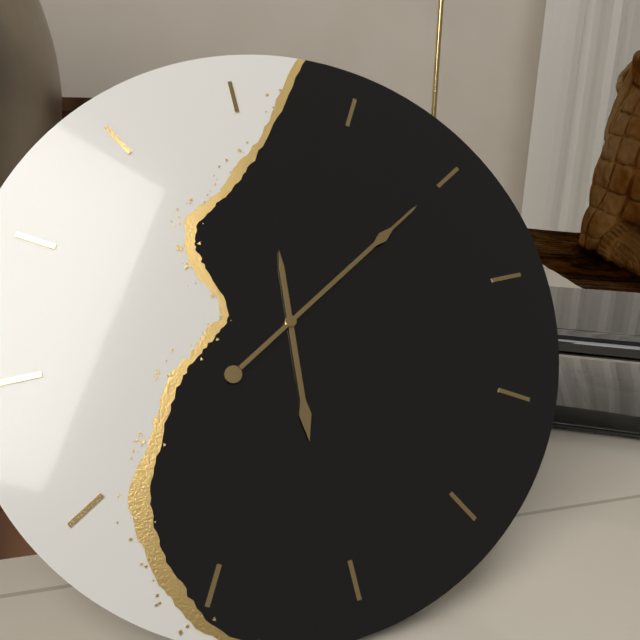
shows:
6,10
